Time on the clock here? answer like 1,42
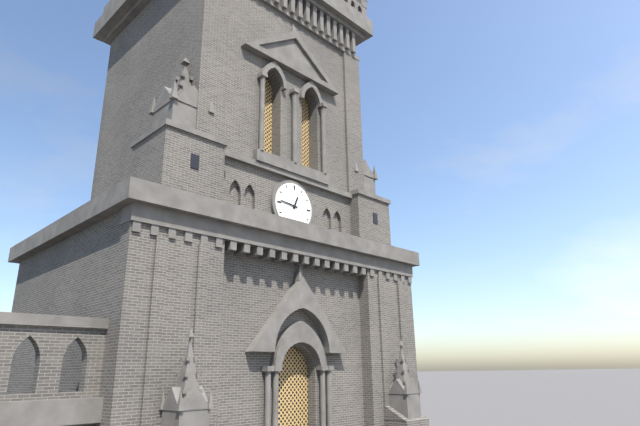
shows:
12,46
